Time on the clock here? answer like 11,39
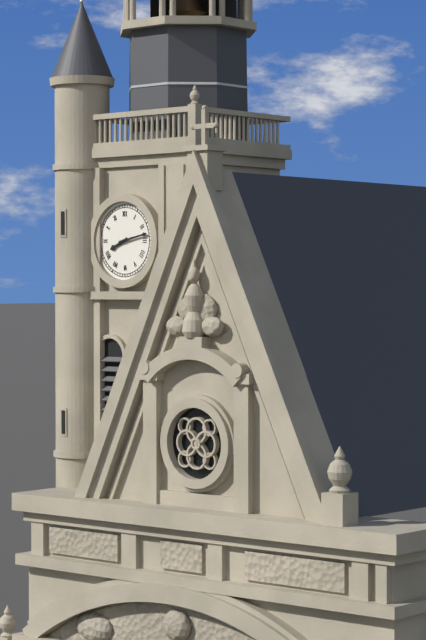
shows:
8,13
